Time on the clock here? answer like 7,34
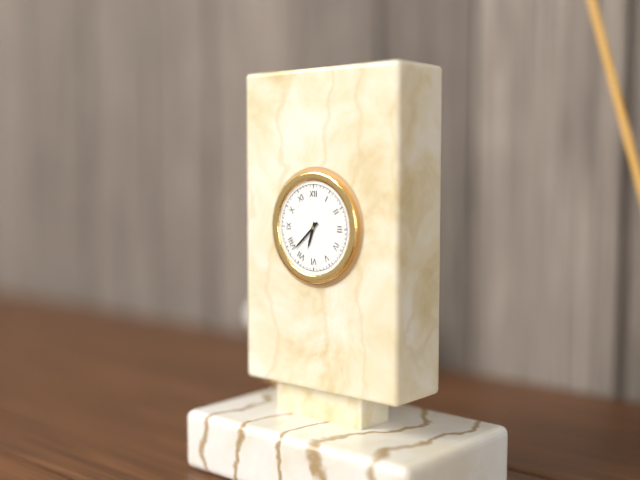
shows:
6,38
